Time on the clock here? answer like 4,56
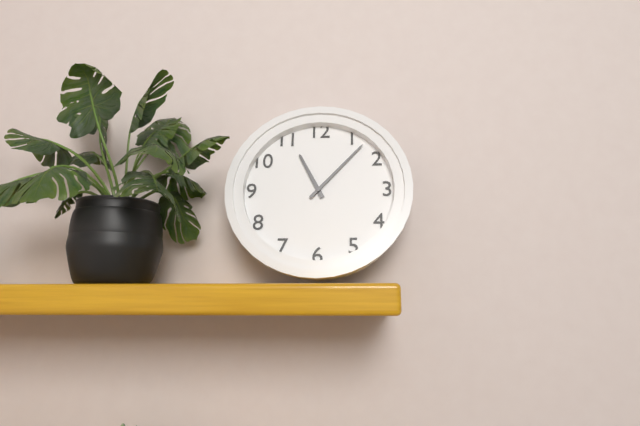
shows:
11,07
